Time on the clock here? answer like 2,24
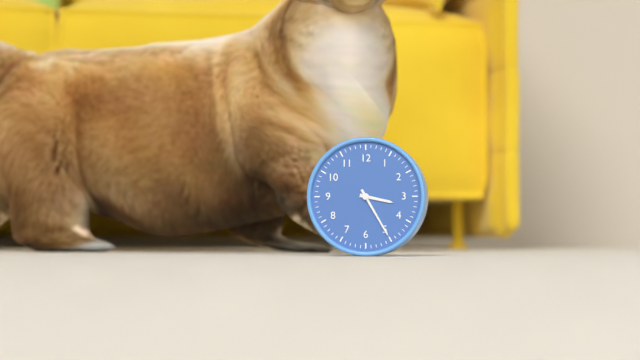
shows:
3,25
